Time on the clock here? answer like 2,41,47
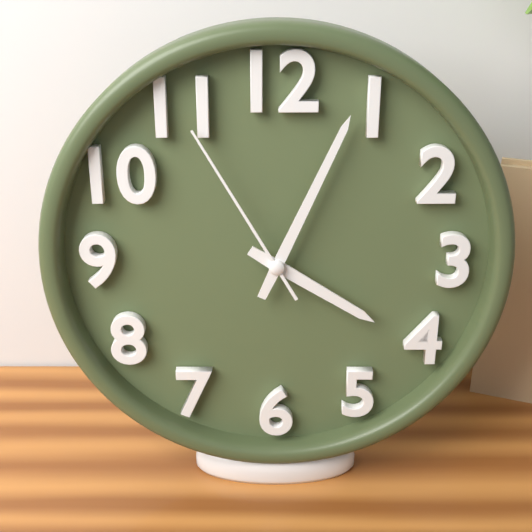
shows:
4,04,55
